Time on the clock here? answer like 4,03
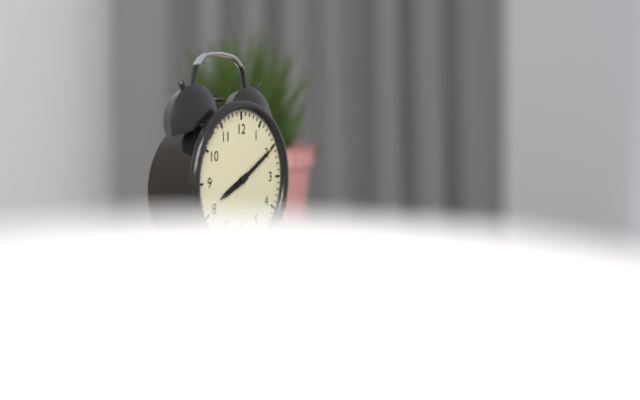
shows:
8,10
